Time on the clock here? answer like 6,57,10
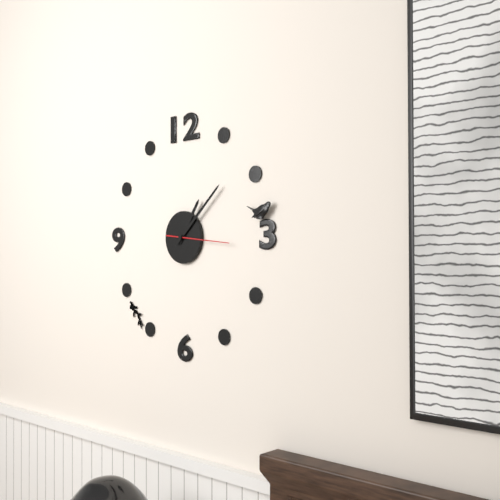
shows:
1,08,16
